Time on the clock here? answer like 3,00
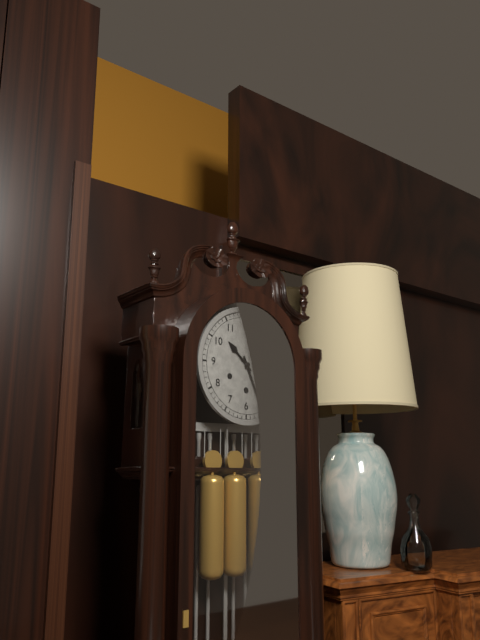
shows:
10,26
